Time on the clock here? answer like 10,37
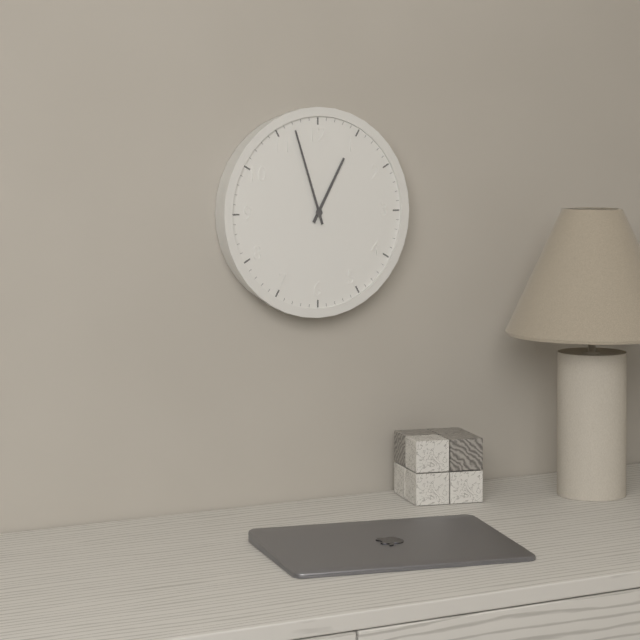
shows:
12,57
